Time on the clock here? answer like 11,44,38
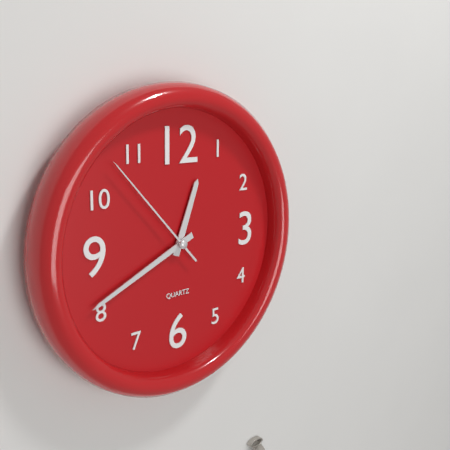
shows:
12,41,53
